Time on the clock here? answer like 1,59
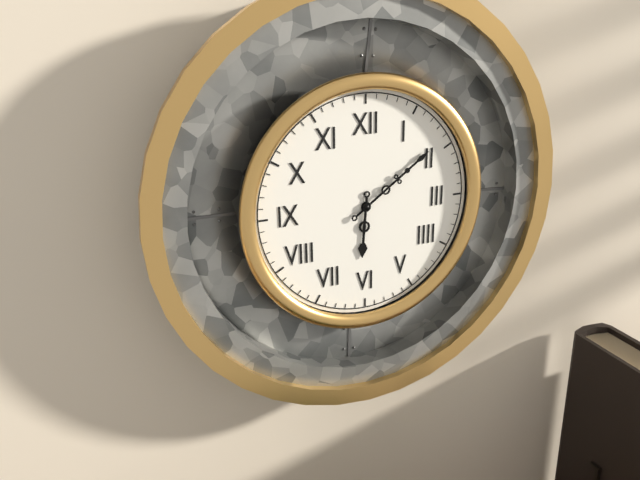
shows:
6,09
